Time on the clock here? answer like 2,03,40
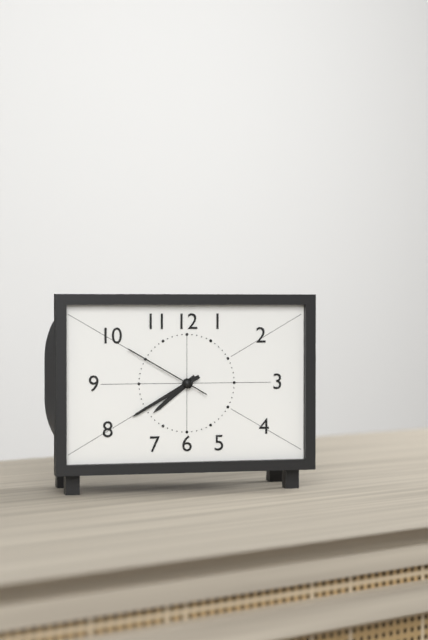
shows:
7,40,50
